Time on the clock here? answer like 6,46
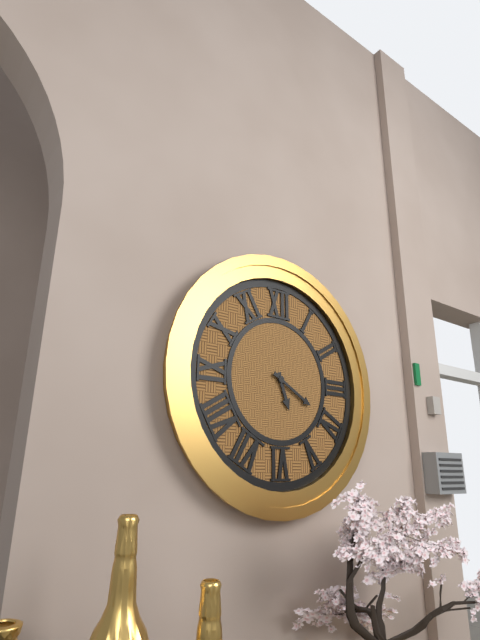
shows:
5,20
